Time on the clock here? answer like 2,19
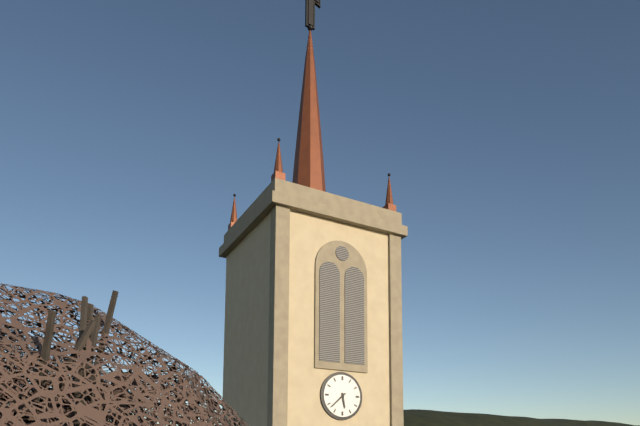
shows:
5,38
